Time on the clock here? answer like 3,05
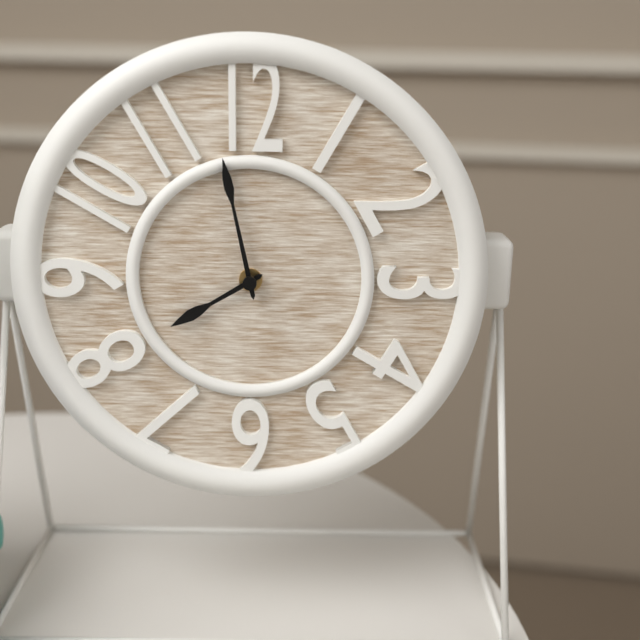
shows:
7,58
